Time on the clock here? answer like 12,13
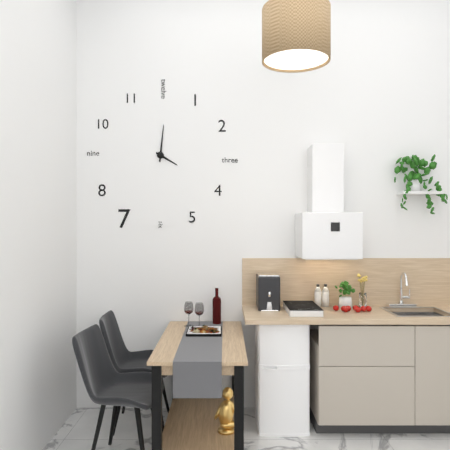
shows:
4,01
